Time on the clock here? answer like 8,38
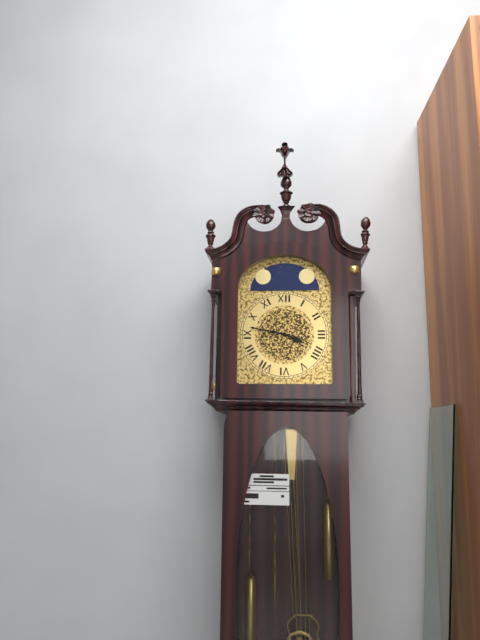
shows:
3,47
